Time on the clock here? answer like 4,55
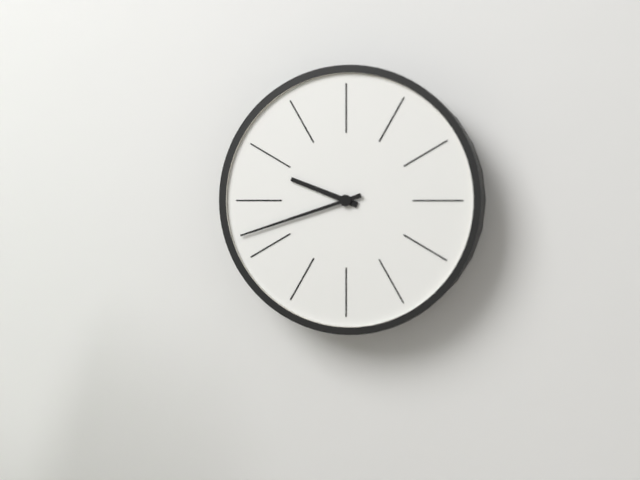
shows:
9,42
